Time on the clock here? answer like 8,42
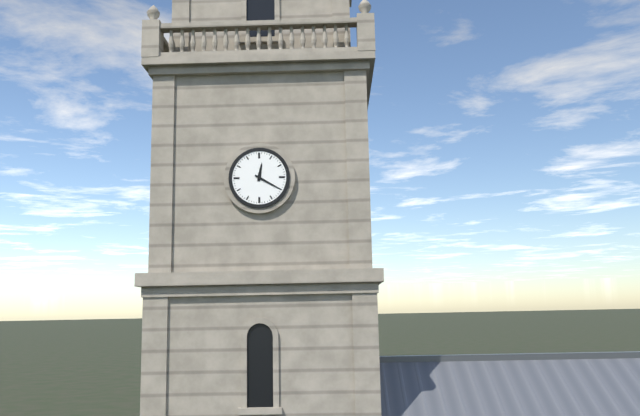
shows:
12,20
